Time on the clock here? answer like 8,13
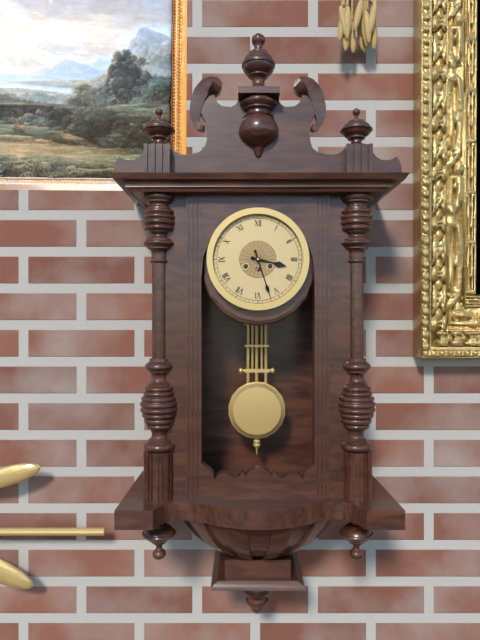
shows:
3,27
